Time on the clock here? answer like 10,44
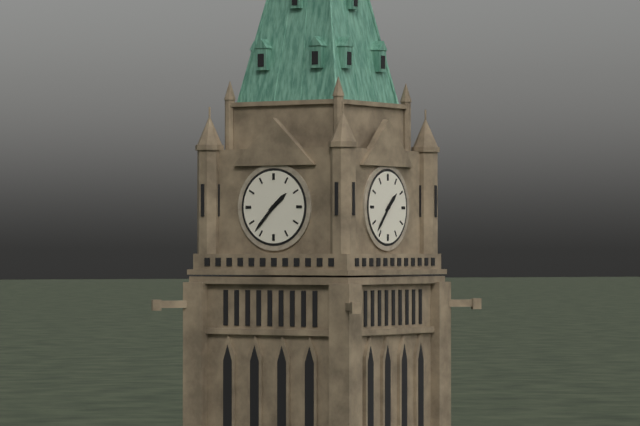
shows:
1,37
